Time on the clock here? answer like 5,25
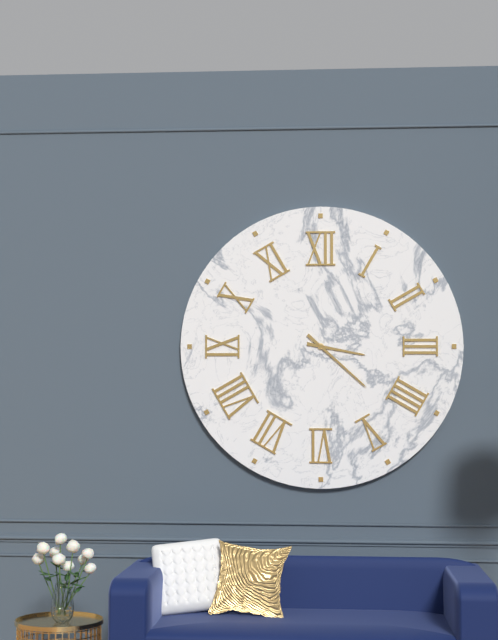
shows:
3,22
